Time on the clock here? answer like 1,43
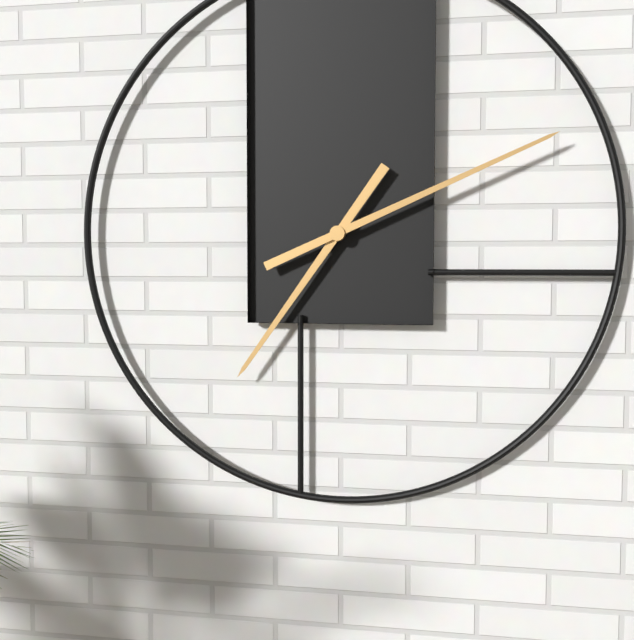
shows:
7,11
